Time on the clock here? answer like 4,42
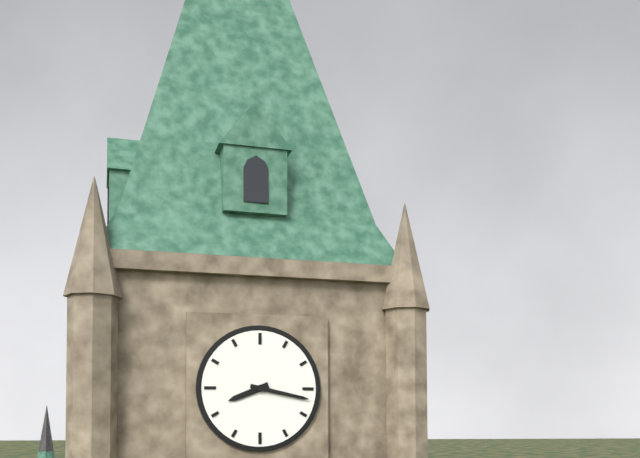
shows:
8,17
